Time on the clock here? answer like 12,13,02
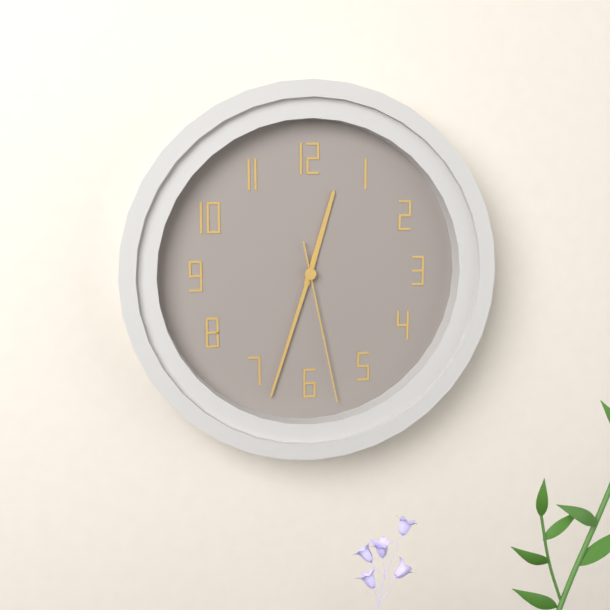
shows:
12,33,28
